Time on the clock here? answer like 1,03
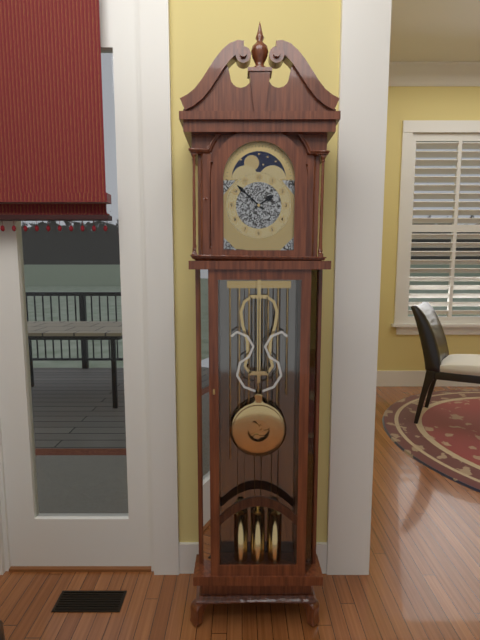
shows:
1,52
